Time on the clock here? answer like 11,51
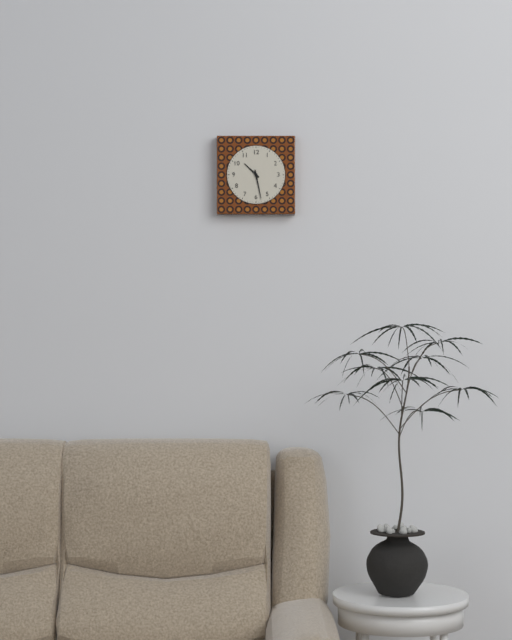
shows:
10,28
